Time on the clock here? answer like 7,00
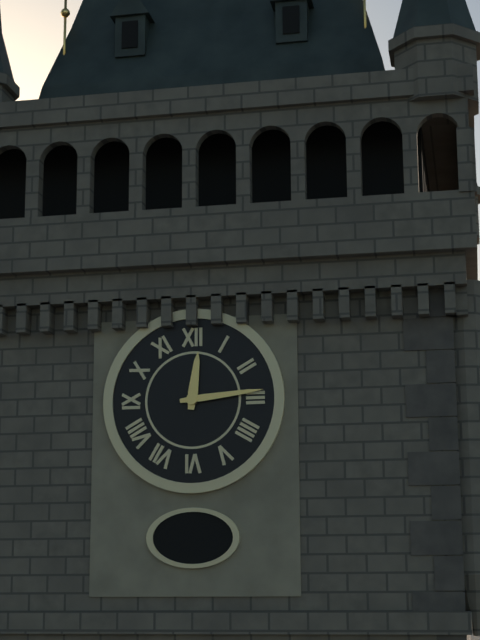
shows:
12,14
